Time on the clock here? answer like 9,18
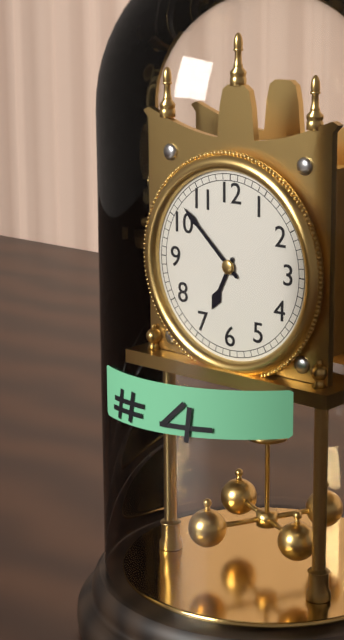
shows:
6,52
